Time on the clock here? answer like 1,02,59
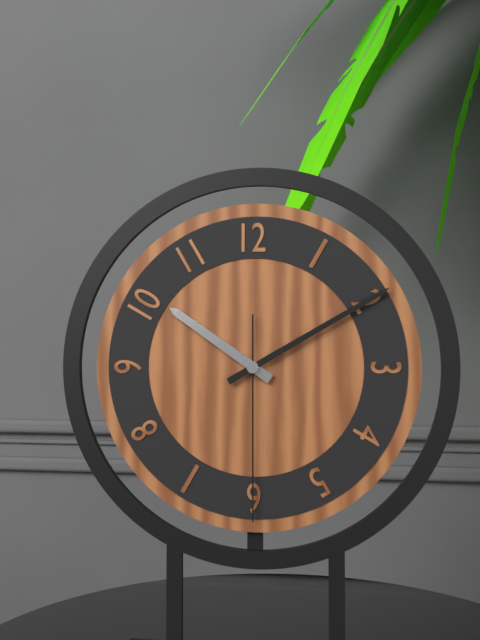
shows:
10,10,30
